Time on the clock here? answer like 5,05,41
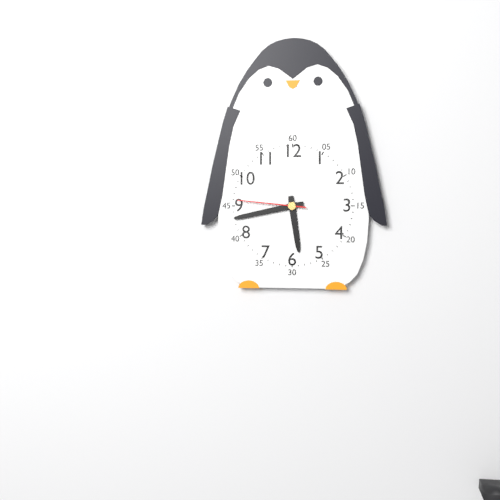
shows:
5,43,46
